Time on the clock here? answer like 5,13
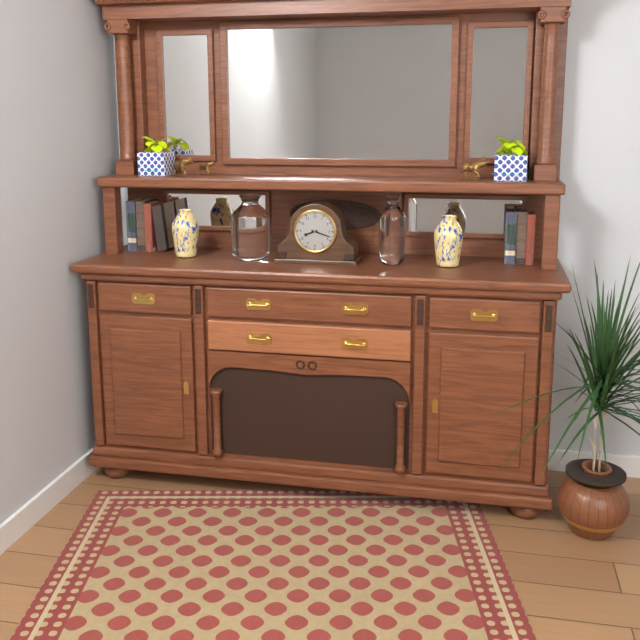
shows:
8,18
